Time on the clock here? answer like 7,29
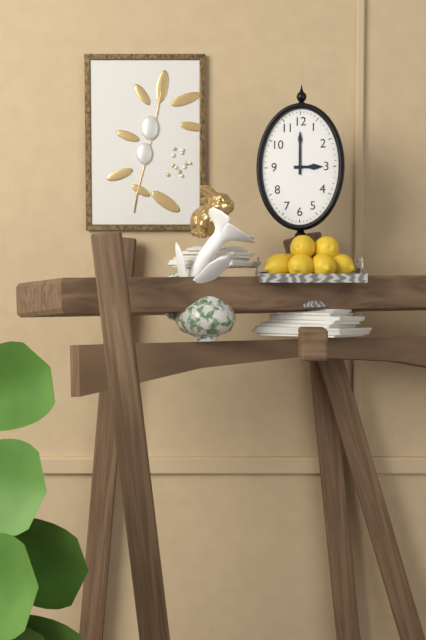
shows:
3,00
